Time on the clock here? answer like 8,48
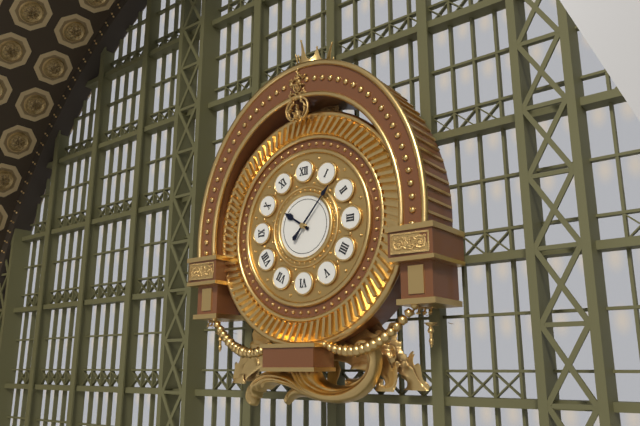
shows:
10,07
